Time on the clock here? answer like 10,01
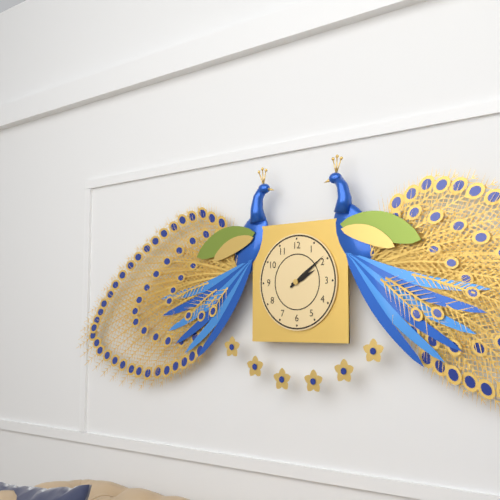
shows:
2,09
